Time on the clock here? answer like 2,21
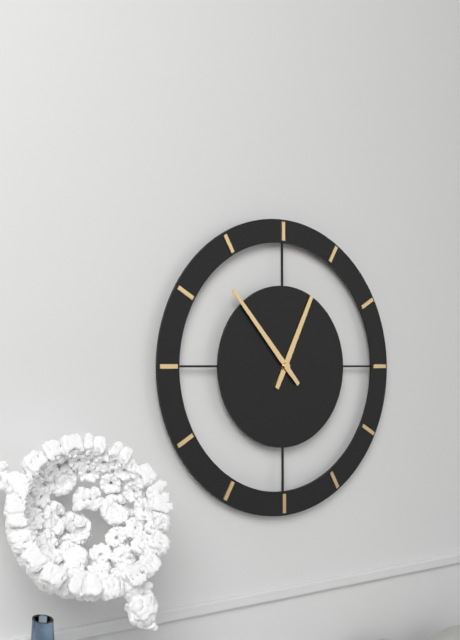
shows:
12,53
